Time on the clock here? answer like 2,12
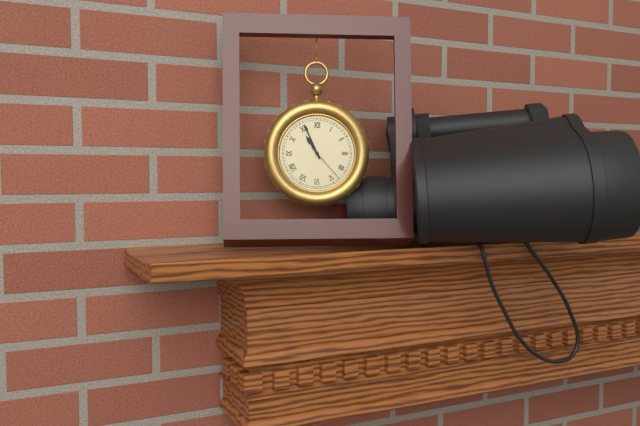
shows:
10,56
